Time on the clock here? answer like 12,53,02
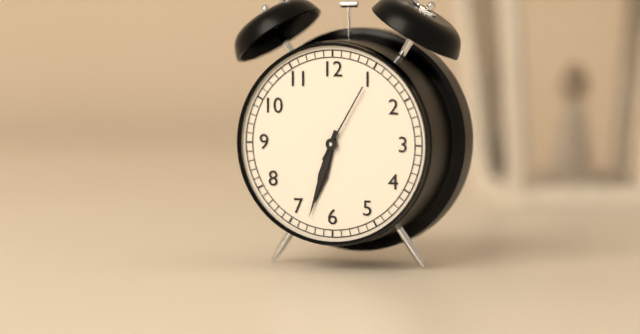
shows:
6,33,05
